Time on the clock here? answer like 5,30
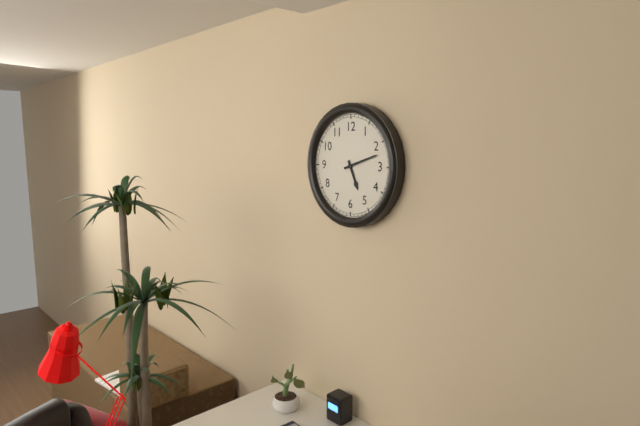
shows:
5,12
